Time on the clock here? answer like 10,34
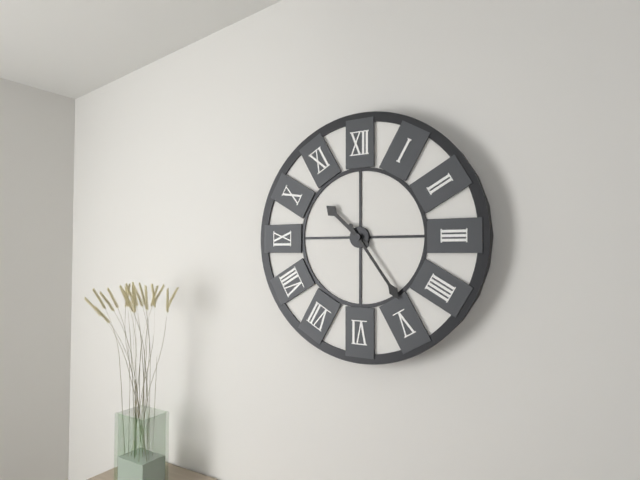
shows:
10,24
